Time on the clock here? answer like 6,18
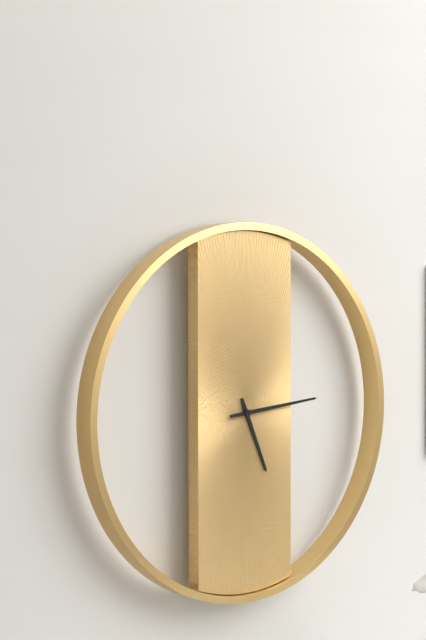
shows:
5,14
